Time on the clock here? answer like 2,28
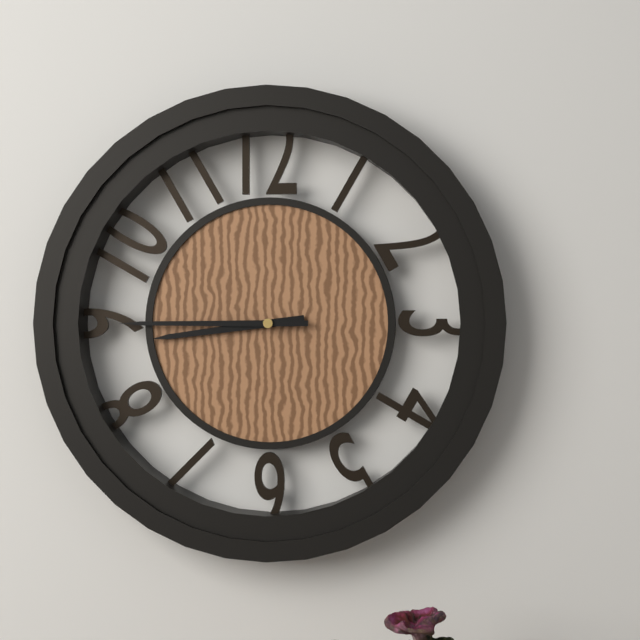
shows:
8,45
